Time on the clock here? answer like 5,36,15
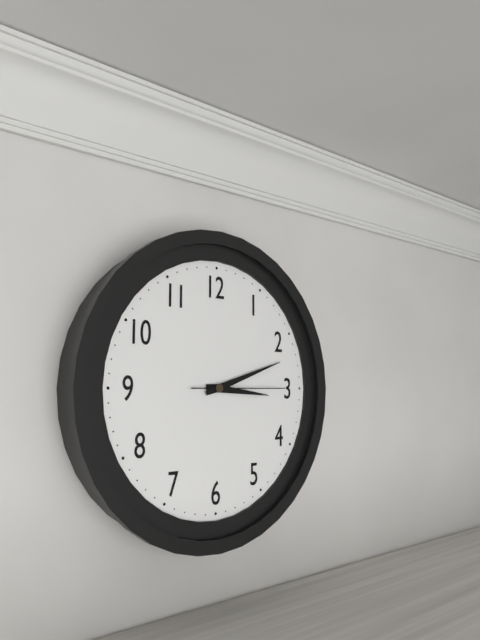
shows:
3,12,15
